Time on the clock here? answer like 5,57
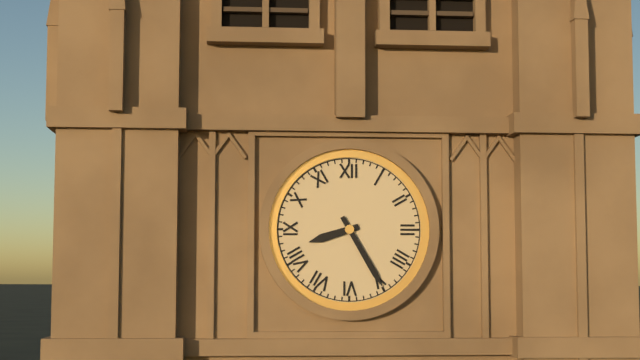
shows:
8,25
